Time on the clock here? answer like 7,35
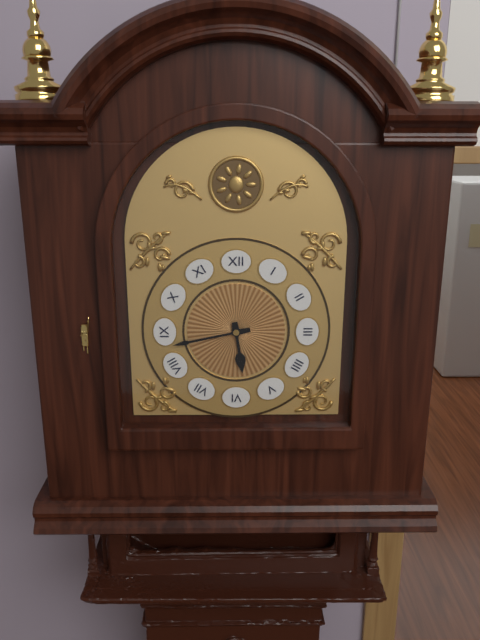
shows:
5,43
